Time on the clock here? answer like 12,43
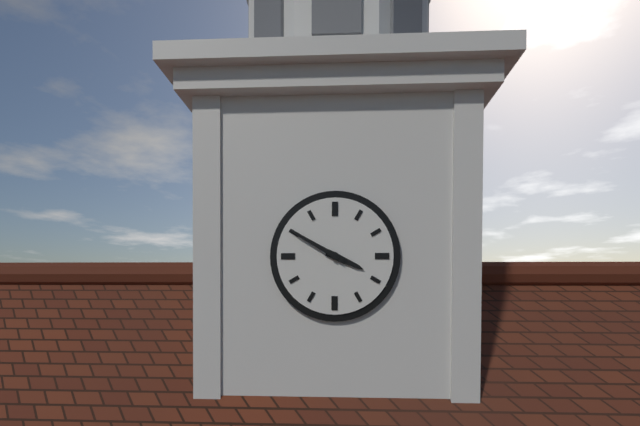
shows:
3,50
